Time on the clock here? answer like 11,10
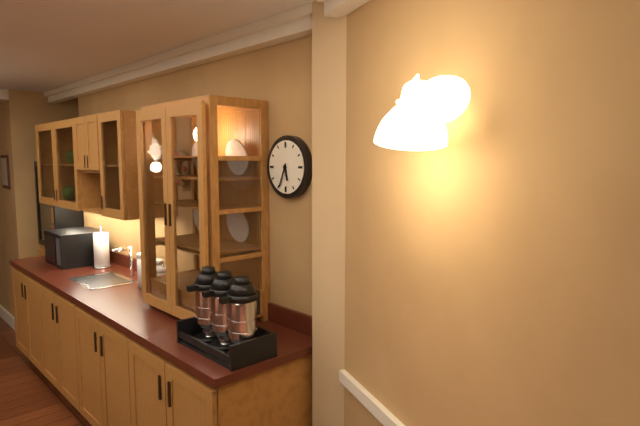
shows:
5,34
